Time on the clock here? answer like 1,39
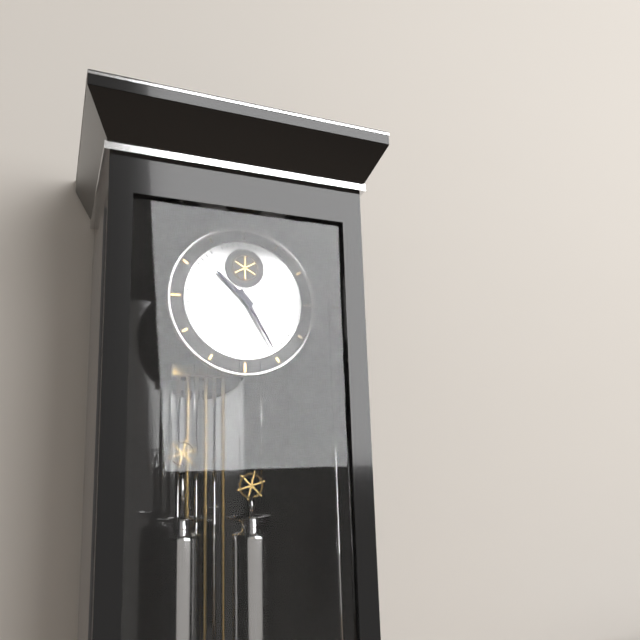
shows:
10,25
